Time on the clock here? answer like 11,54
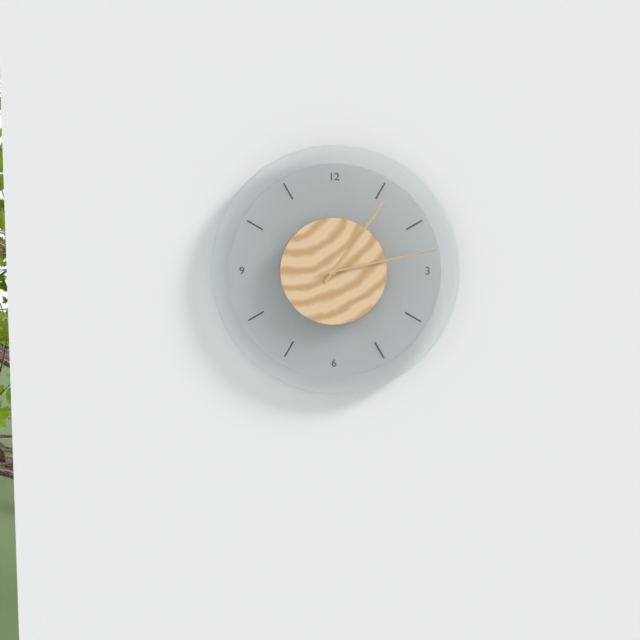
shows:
1,13
